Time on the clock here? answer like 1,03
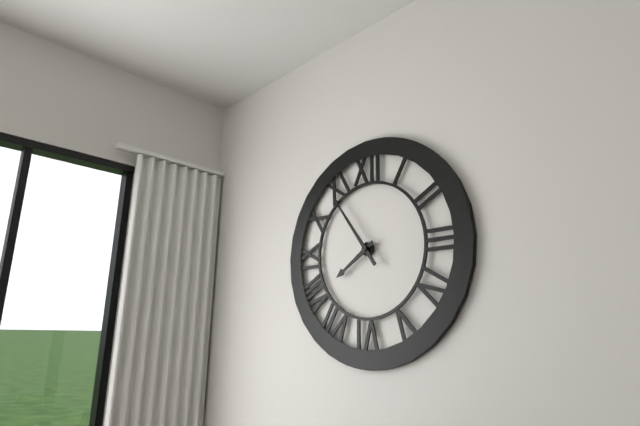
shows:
7,54
